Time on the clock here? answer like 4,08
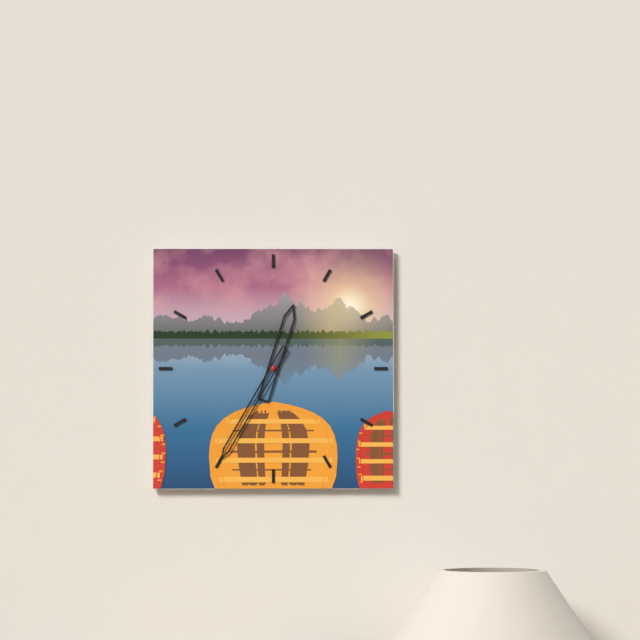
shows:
12,35
